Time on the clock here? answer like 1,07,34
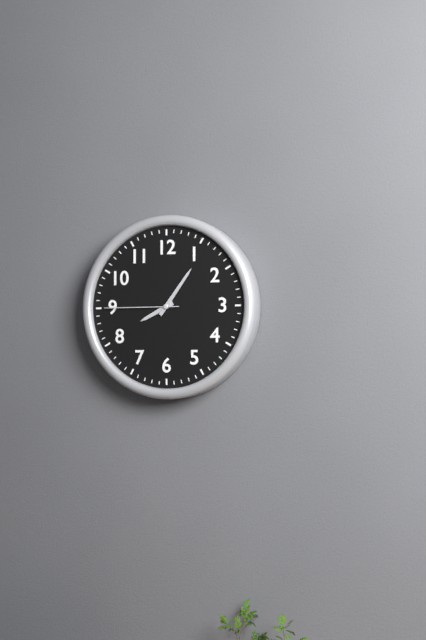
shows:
8,06,45
